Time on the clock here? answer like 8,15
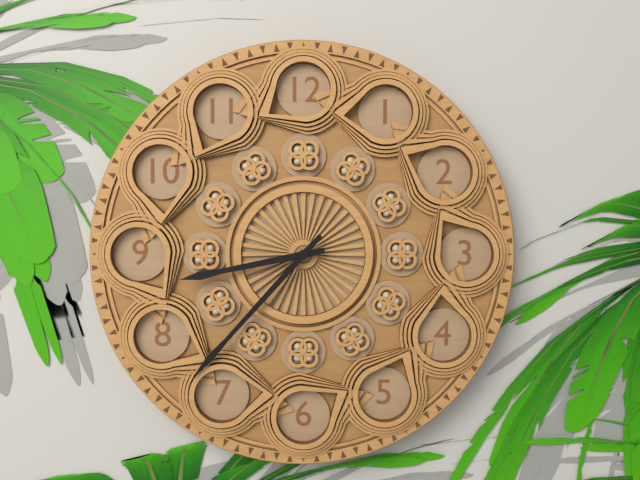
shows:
8,37
